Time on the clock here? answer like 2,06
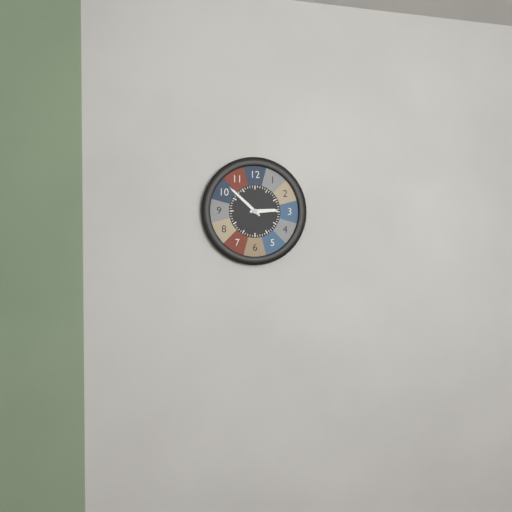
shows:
2,52
